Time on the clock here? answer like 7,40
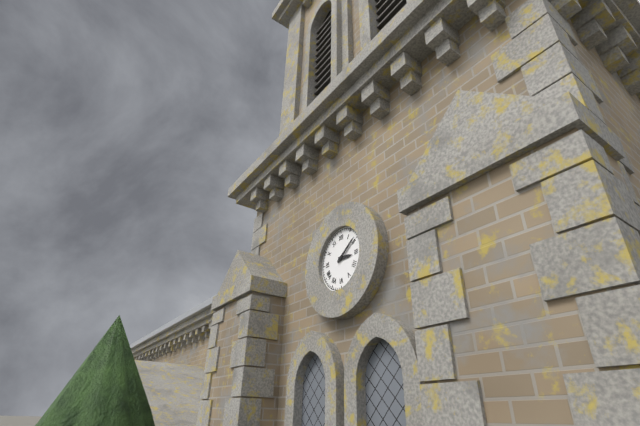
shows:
3,09
